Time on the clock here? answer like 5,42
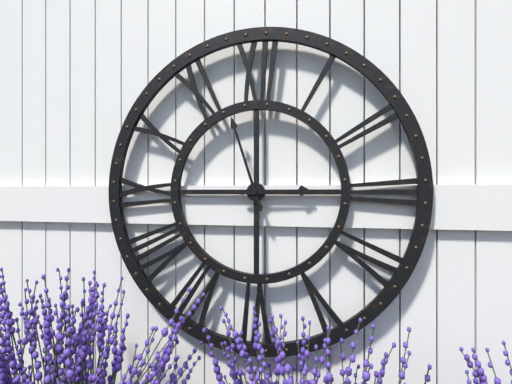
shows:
2,57
